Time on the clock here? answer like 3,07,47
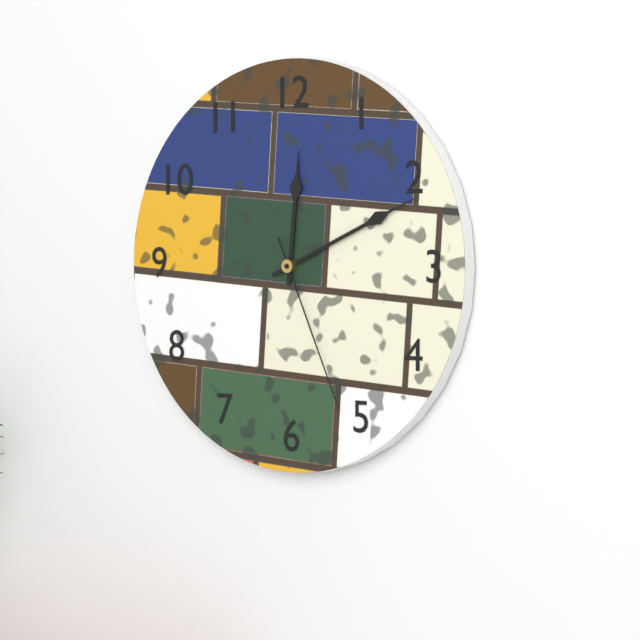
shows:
12,11,26
